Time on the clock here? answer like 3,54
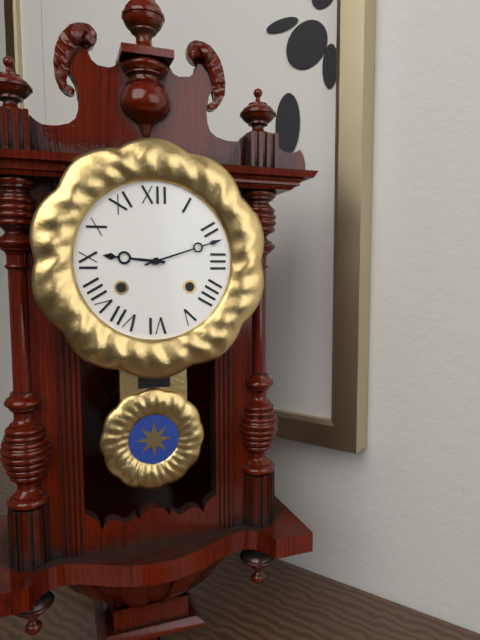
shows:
9,12
